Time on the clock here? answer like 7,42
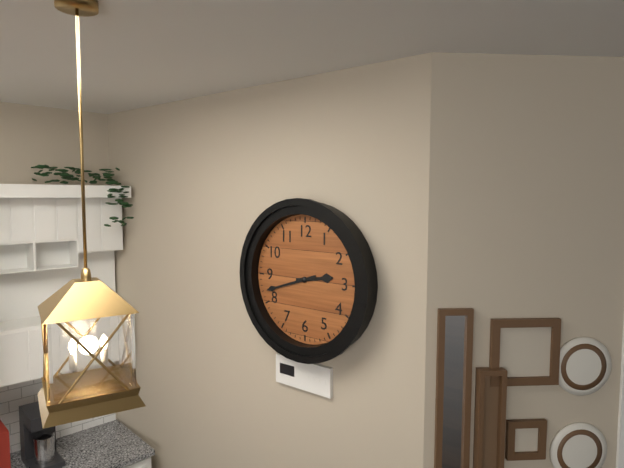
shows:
2,42
